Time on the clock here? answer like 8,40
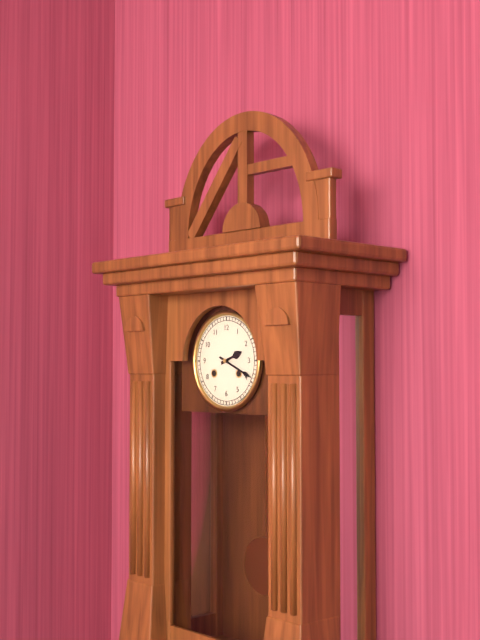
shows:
2,19
